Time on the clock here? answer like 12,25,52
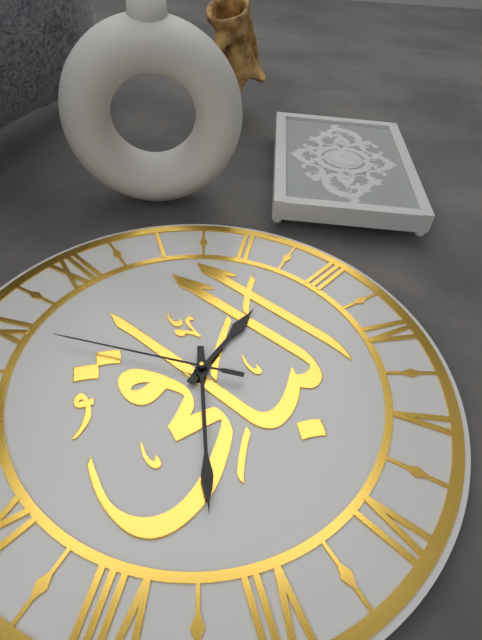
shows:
2,37,55
